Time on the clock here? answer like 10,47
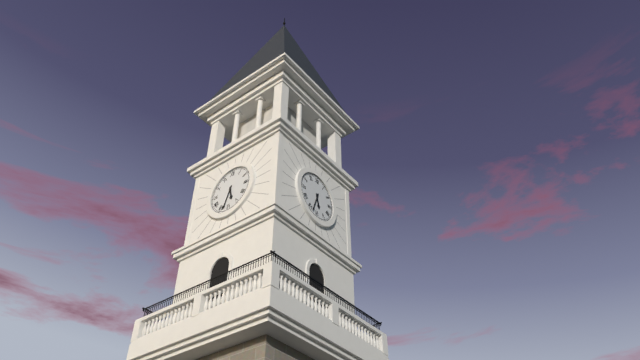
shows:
5,33
